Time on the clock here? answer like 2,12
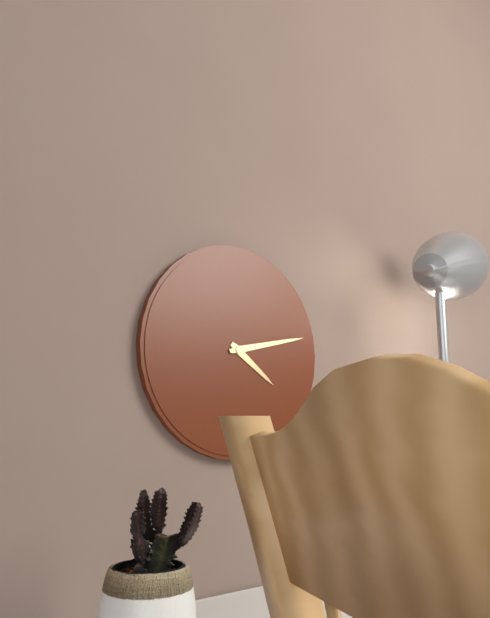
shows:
4,13
